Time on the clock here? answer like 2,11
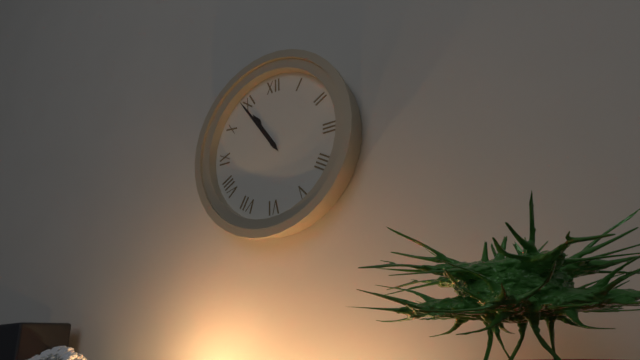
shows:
10,54
